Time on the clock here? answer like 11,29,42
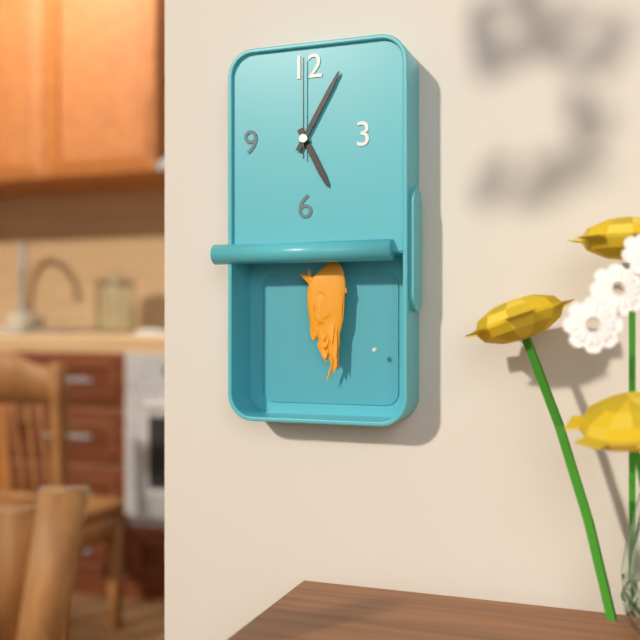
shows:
5,05,00
